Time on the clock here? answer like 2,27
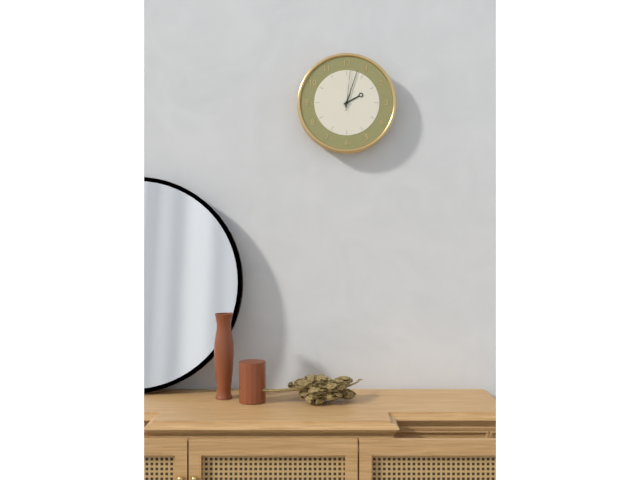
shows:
2,03
